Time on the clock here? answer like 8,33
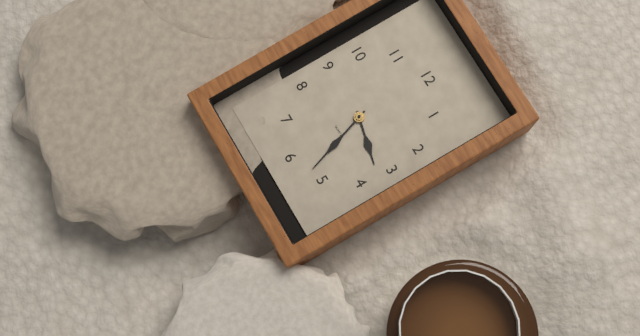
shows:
3,27
